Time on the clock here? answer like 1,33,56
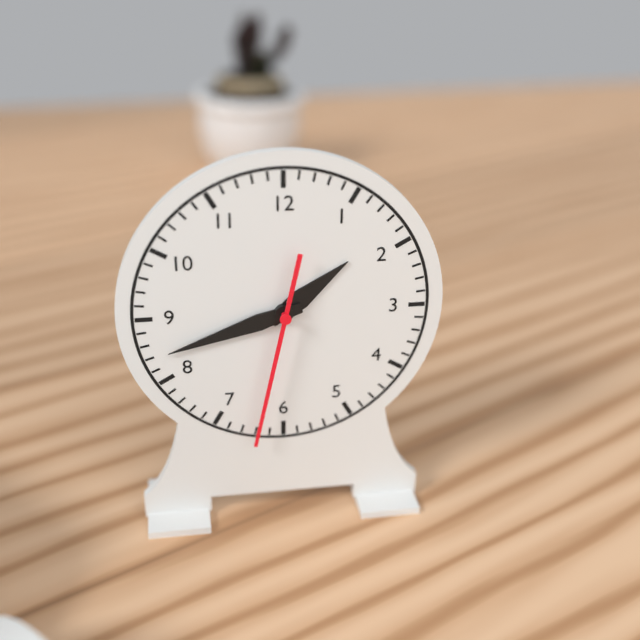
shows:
1,42,32
